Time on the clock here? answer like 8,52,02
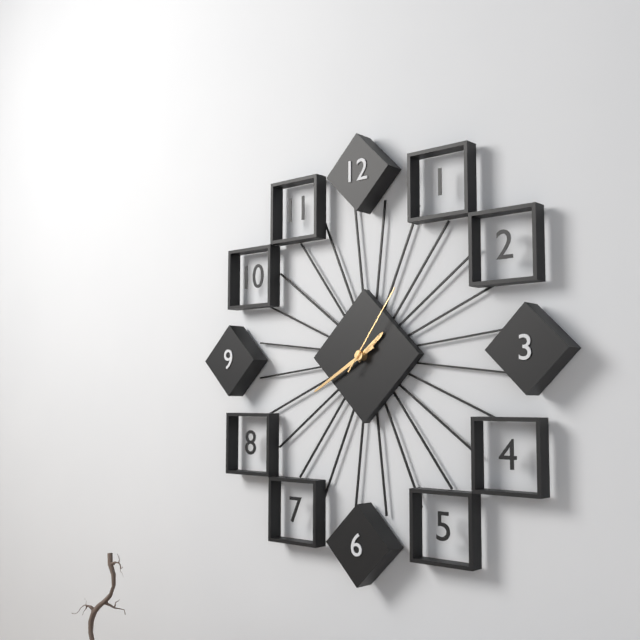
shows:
1,40,06
